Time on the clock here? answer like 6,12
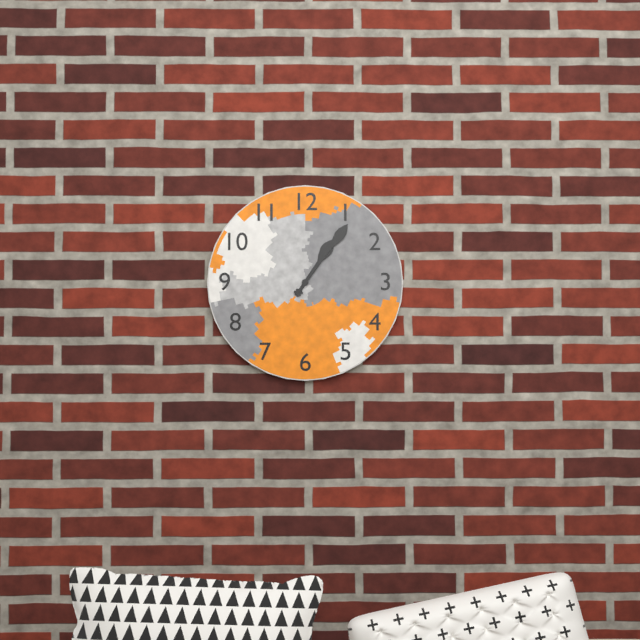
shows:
1,06
